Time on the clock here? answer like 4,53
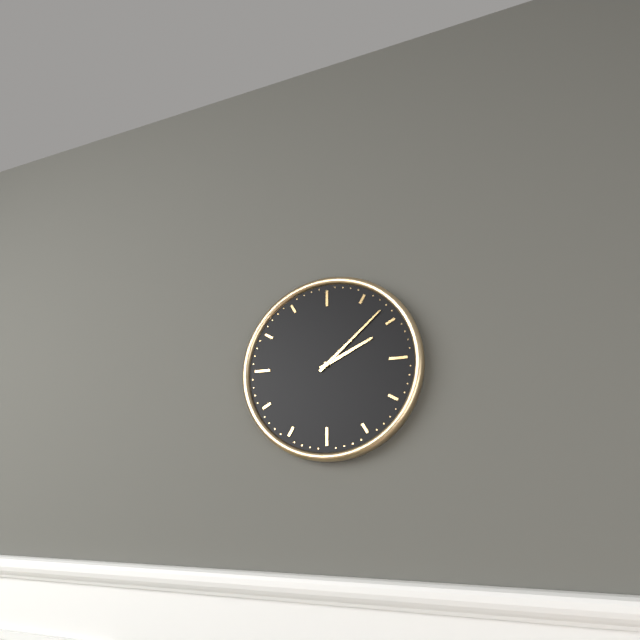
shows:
2,08
